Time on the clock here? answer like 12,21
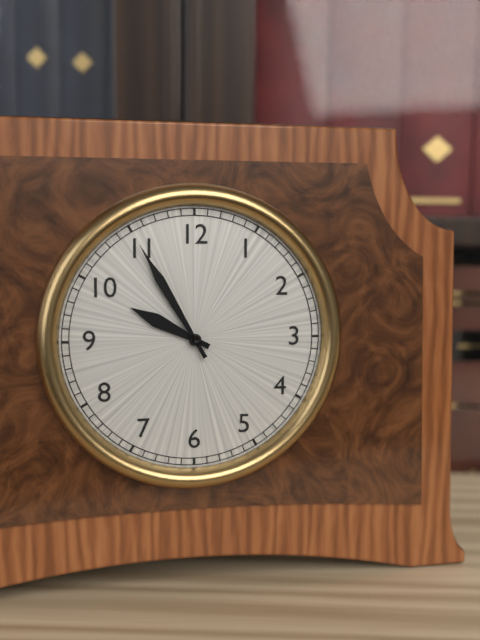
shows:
9,55
